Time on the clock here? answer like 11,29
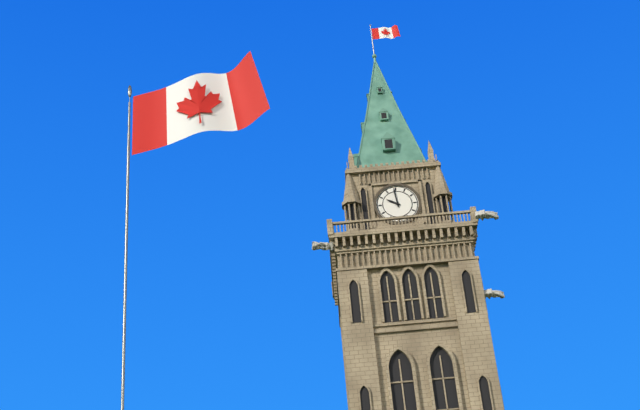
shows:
9,59
